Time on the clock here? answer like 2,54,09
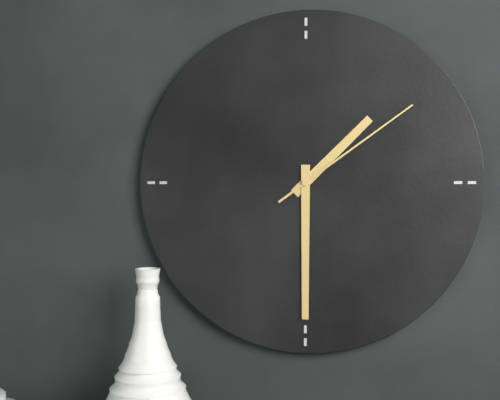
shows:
1,30,09
